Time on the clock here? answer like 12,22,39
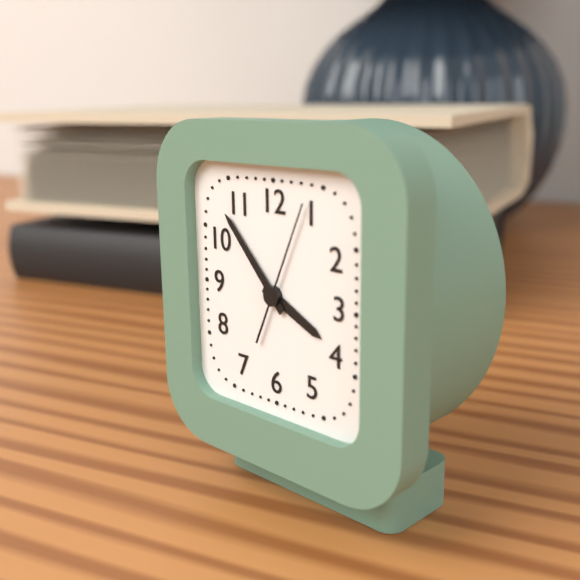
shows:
3,53,04
